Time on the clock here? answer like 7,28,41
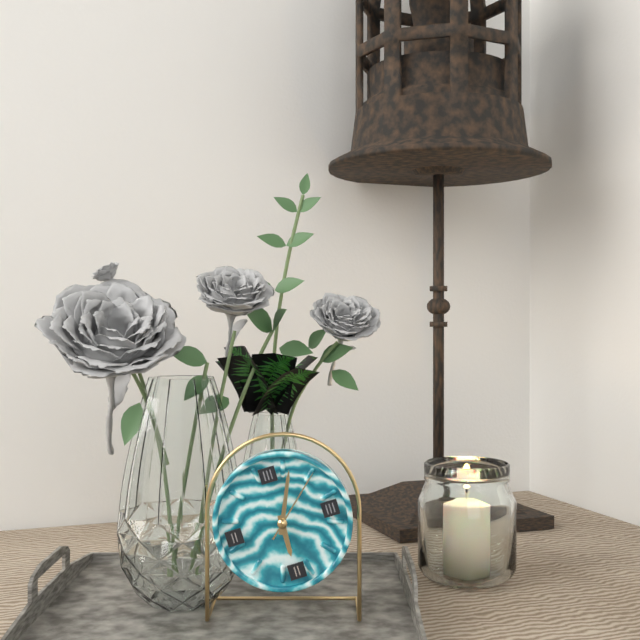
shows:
6,04,08
